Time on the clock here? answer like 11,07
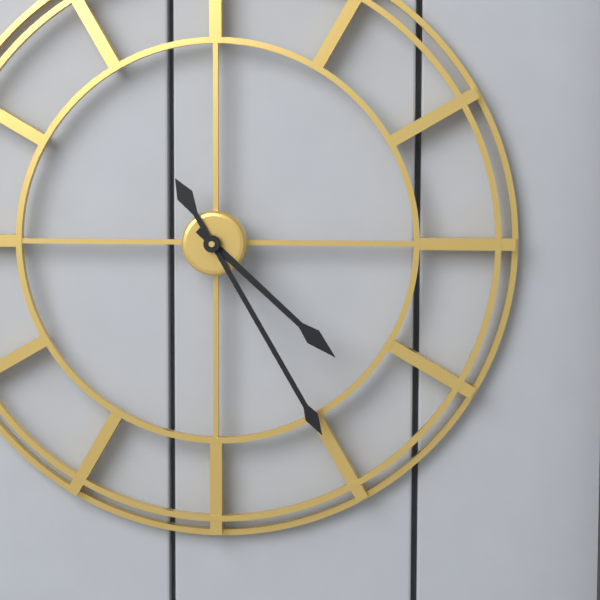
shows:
4,25
